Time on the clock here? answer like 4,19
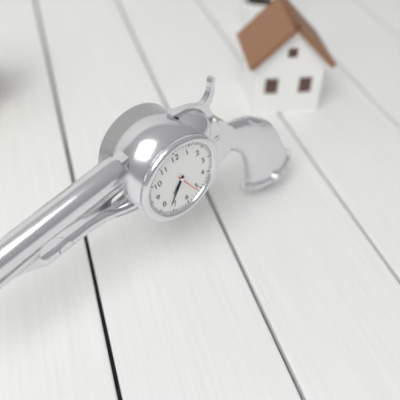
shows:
7,37
